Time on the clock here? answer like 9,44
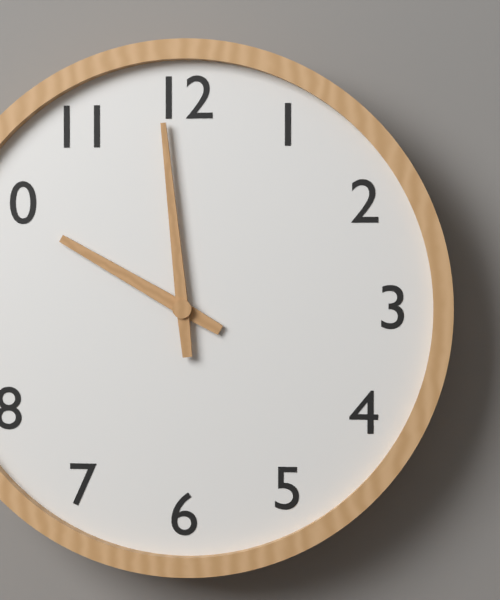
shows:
9,59
